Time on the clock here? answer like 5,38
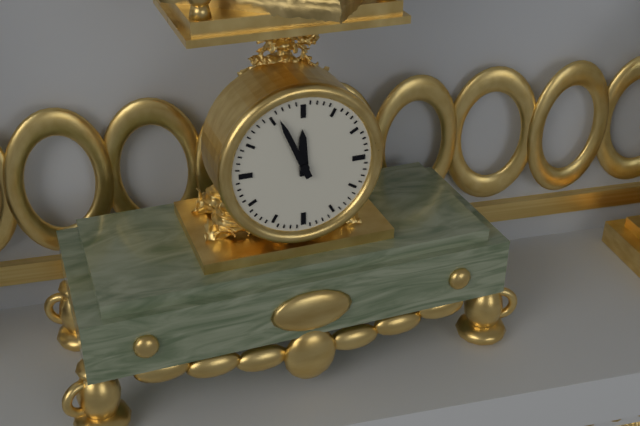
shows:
11,56
